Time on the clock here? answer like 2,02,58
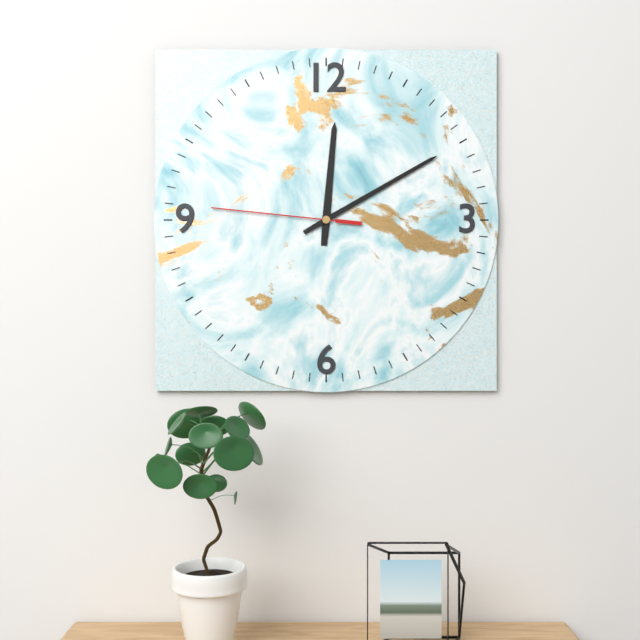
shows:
12,10,46
